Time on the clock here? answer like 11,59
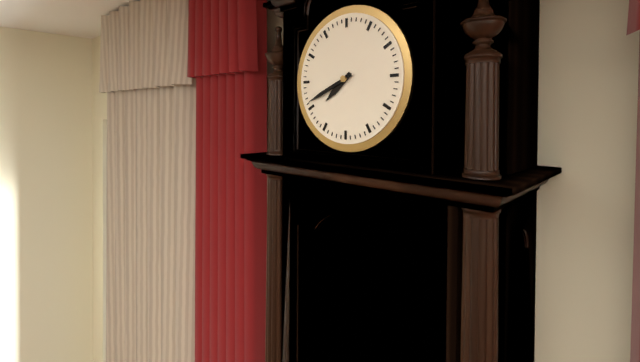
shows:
7,41
